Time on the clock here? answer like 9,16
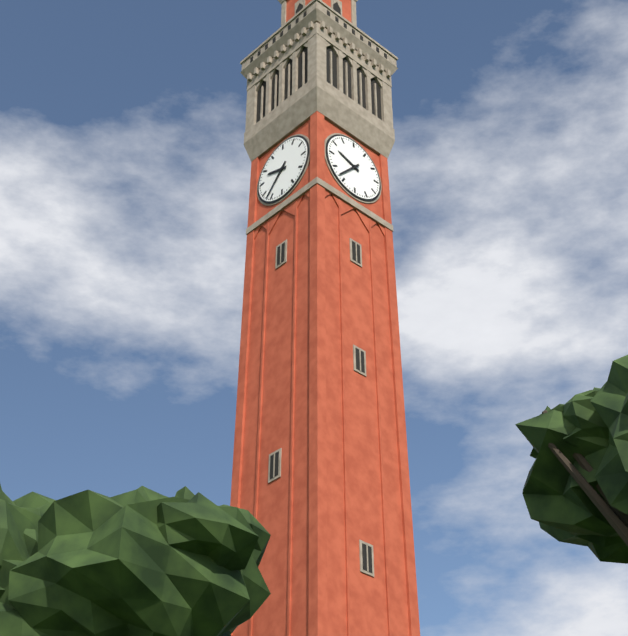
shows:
9,37
